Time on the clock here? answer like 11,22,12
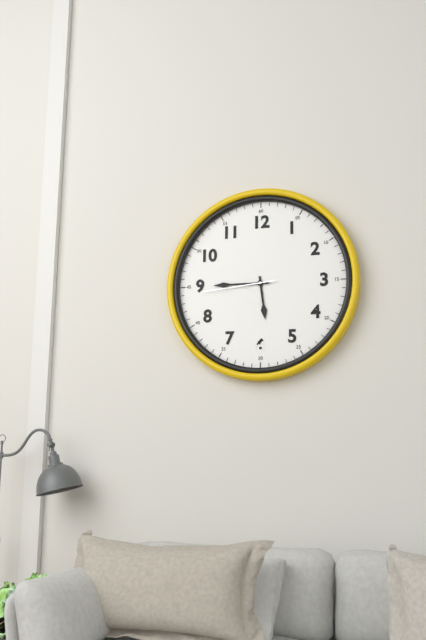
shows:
5,45,44
